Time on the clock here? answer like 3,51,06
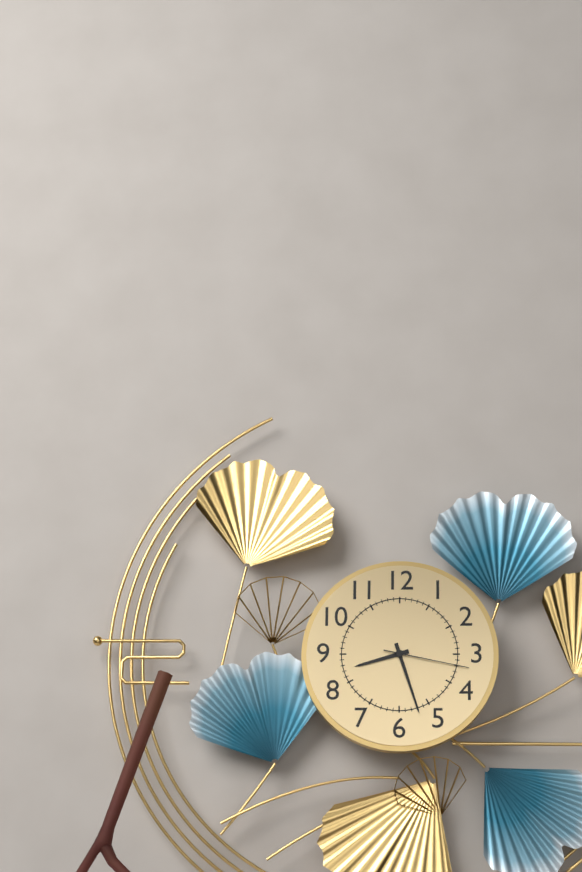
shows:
8,27,17
